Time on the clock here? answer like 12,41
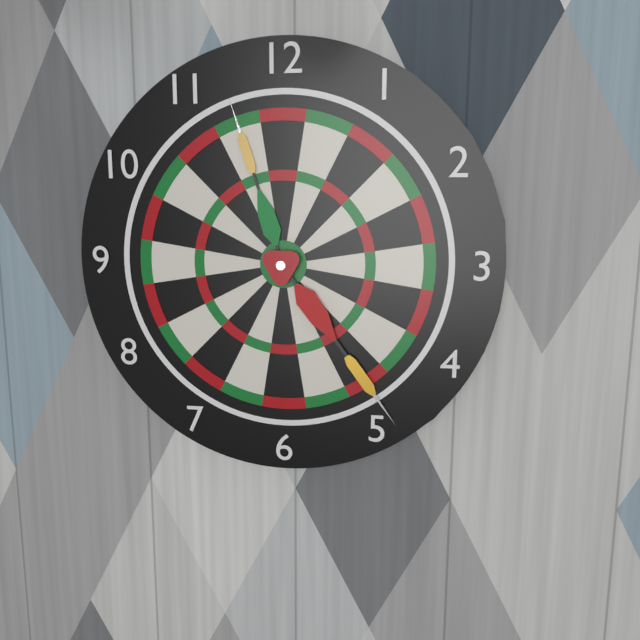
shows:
11,24
